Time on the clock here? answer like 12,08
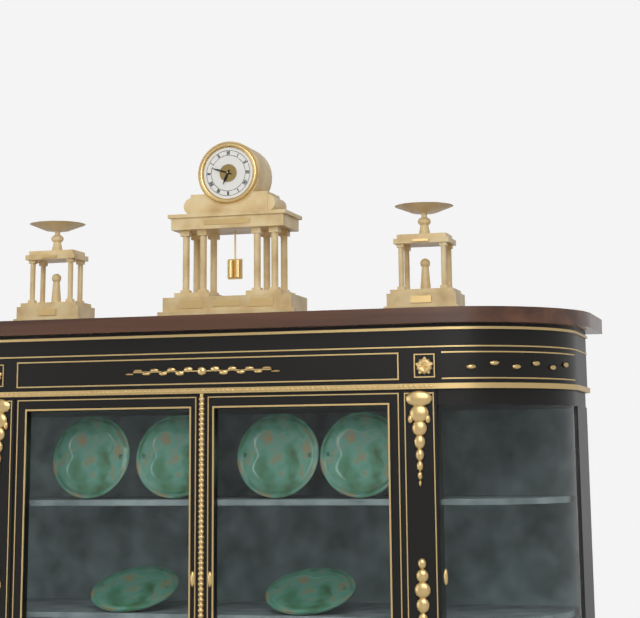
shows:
6,48
